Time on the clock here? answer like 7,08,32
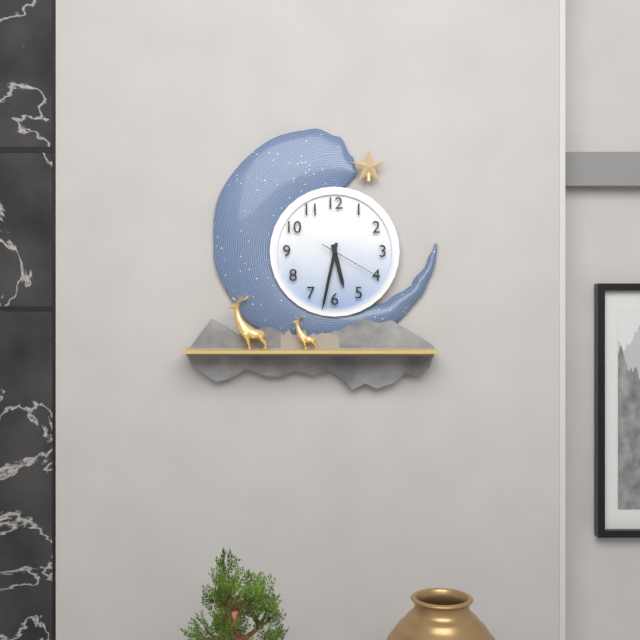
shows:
5,32,20
